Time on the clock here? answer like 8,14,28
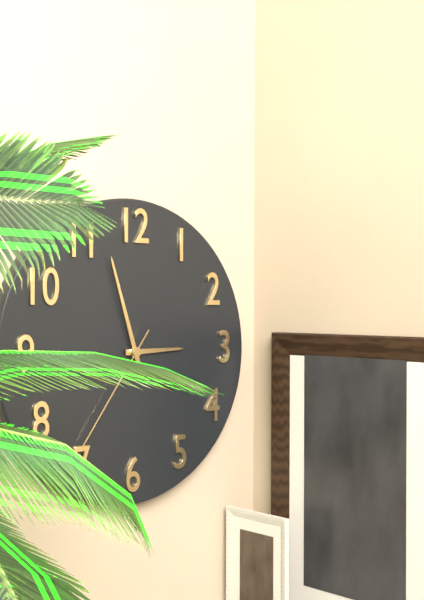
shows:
2,57,36
